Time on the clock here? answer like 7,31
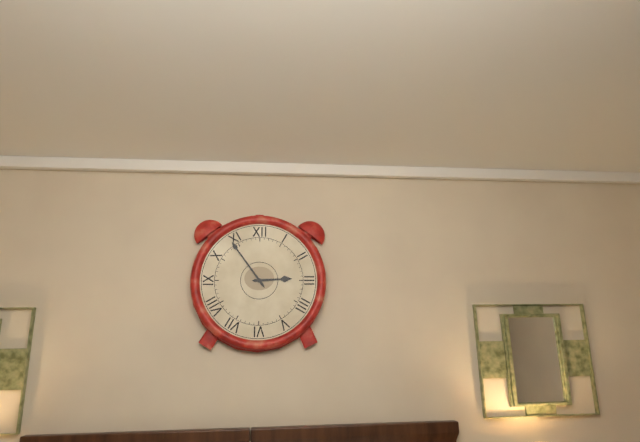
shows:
2,54
